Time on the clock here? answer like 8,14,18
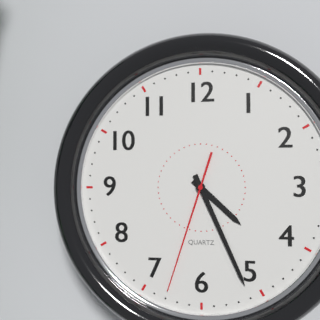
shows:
4,26,33
